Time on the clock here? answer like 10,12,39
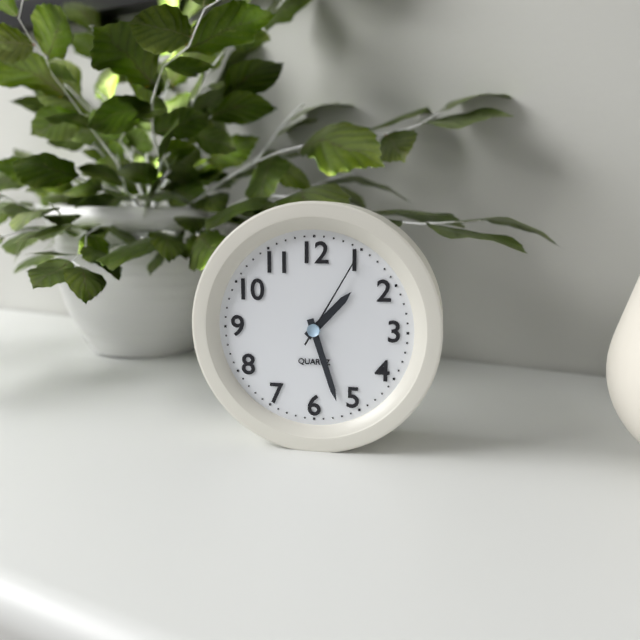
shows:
1,27,05
